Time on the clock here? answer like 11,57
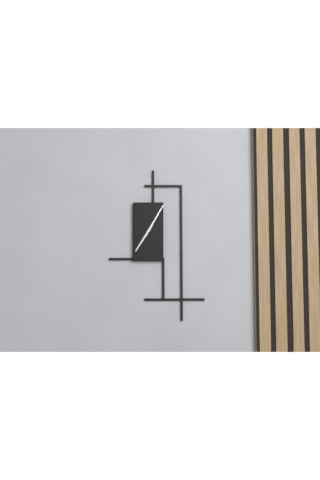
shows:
7,05
